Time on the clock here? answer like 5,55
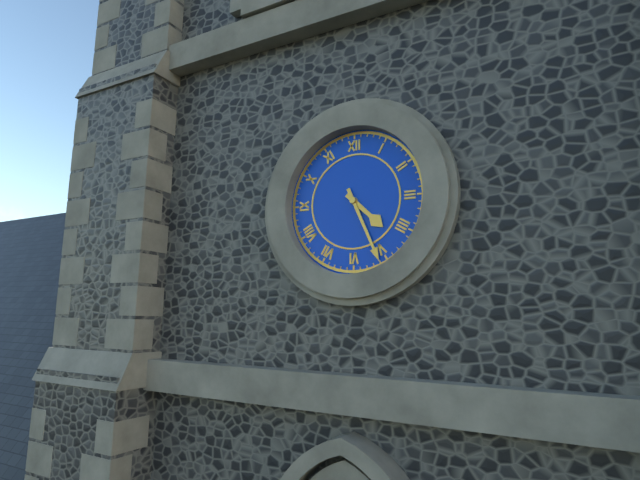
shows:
4,26
